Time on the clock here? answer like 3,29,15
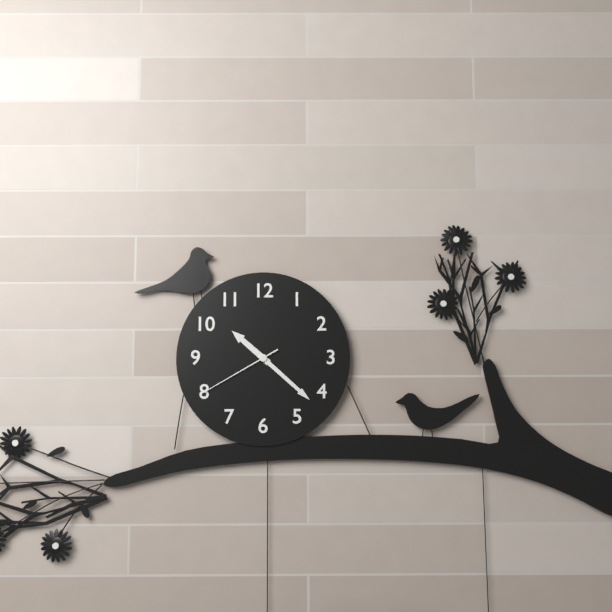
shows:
10,22,40
